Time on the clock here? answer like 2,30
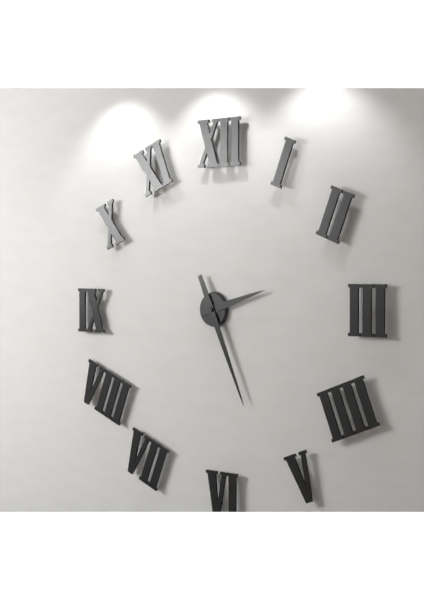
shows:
2,26
